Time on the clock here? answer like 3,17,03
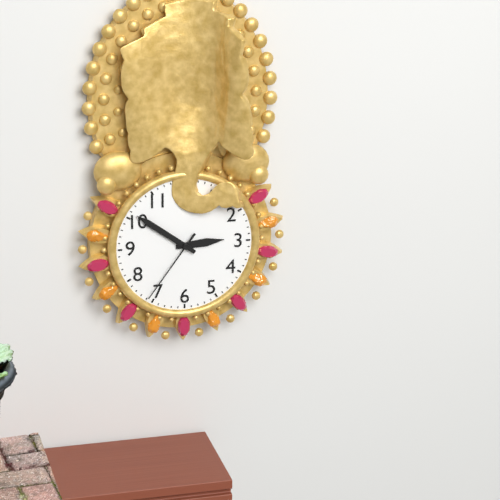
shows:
2,51,36
